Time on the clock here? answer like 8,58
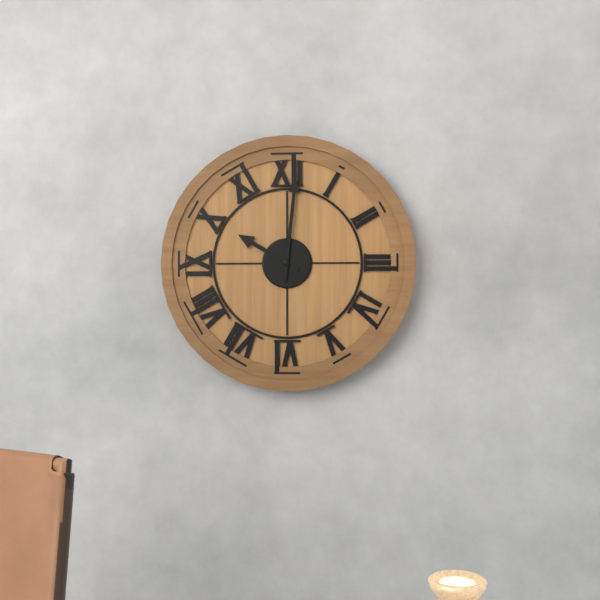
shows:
10,01
